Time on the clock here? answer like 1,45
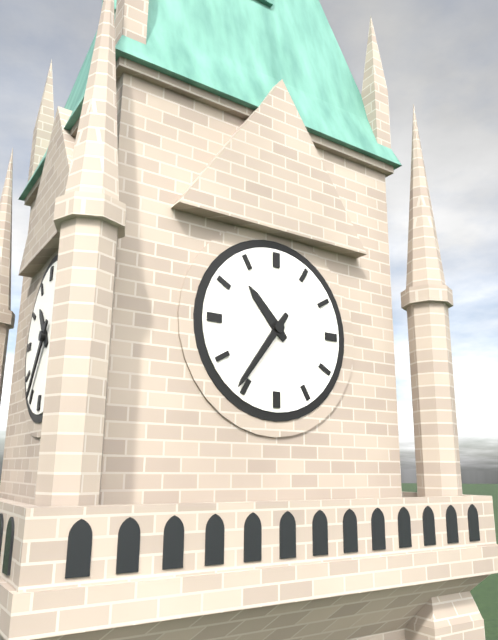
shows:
10,36
